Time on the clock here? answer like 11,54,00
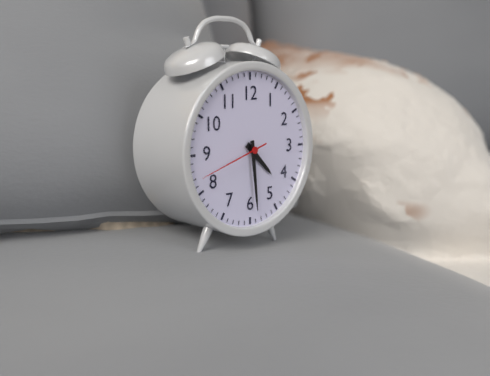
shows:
4,29,42
